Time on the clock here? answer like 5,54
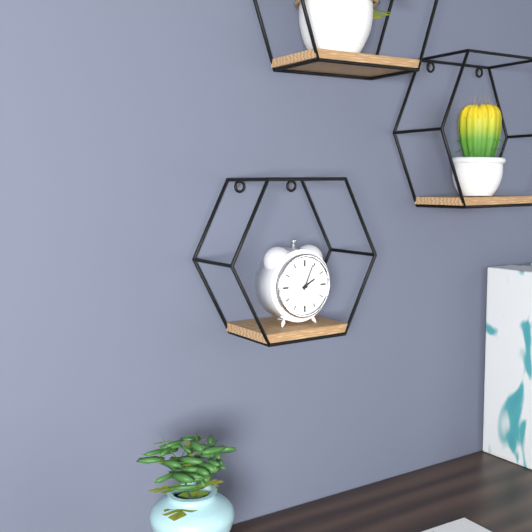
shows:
2,04
